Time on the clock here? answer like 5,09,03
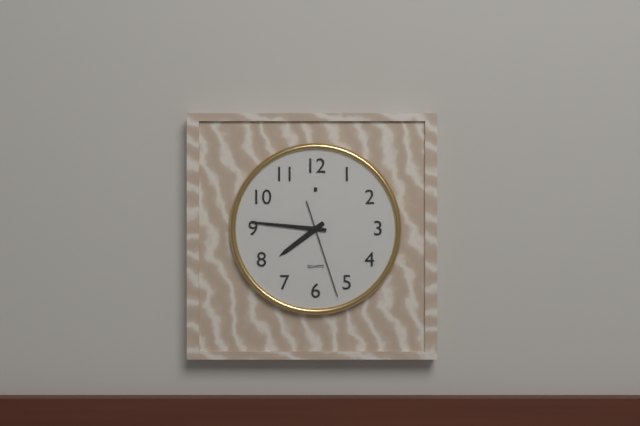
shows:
7,46,27
